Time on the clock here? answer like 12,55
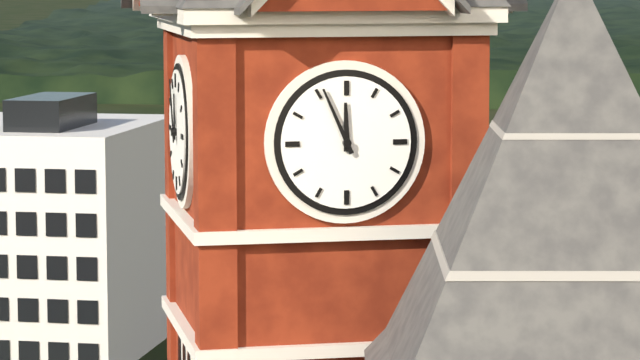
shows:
11,56
